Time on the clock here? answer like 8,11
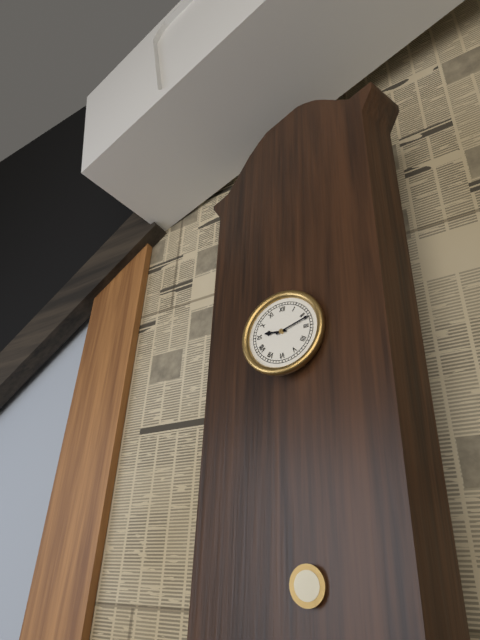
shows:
9,12
